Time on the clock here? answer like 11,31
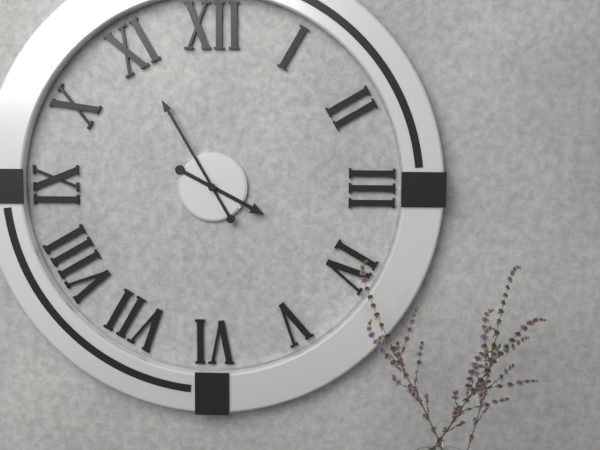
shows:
3,55
